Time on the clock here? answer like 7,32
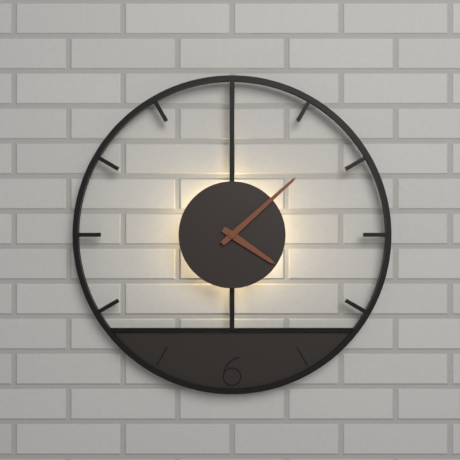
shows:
4,08
